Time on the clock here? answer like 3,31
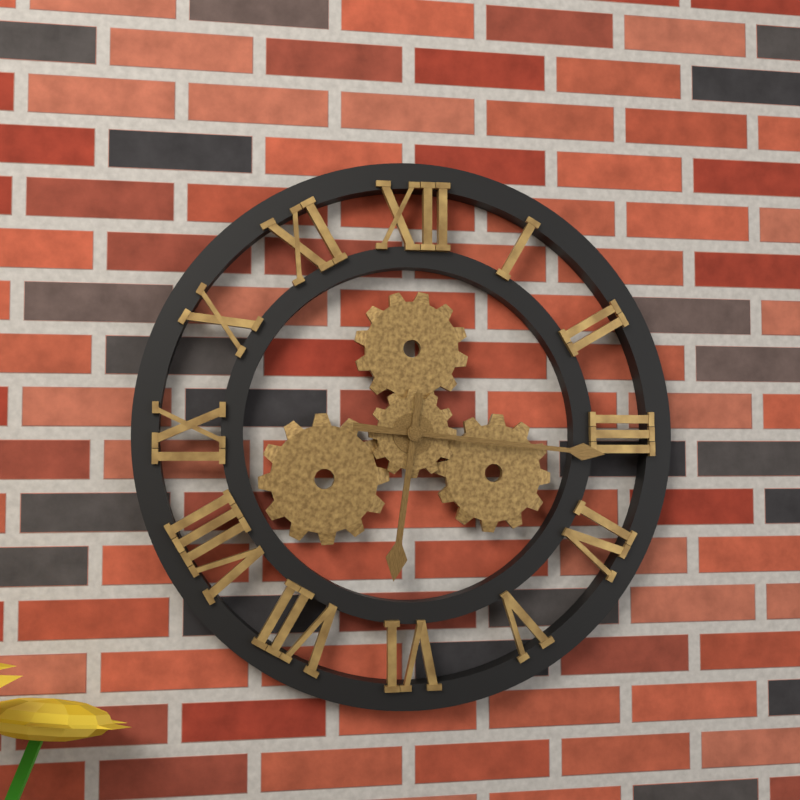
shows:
6,16
